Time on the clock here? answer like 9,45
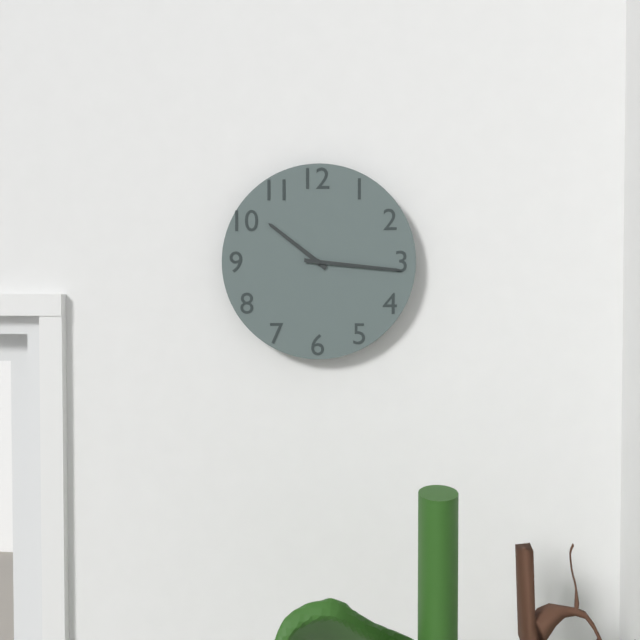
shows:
10,16
